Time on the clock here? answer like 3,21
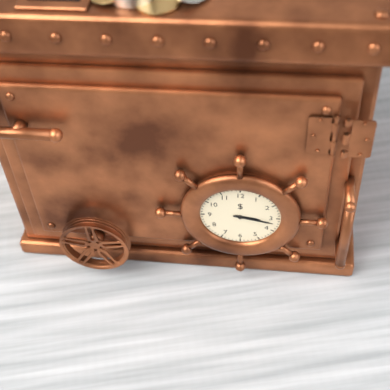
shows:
3,17
